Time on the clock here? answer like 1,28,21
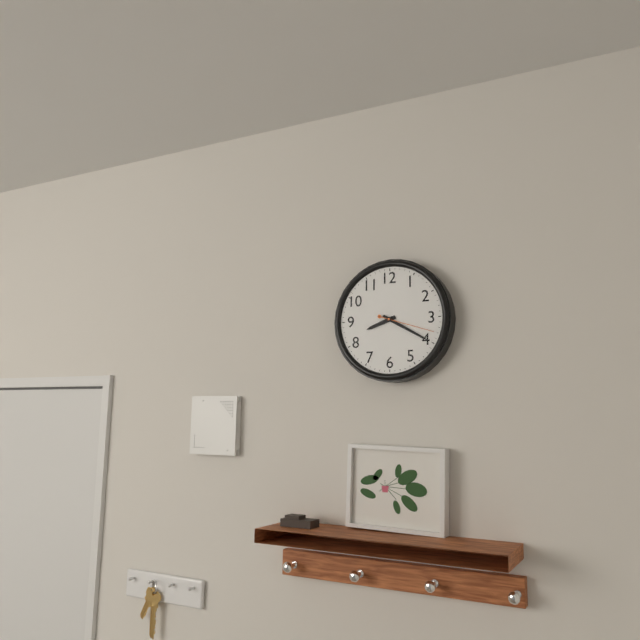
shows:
8,20,18
